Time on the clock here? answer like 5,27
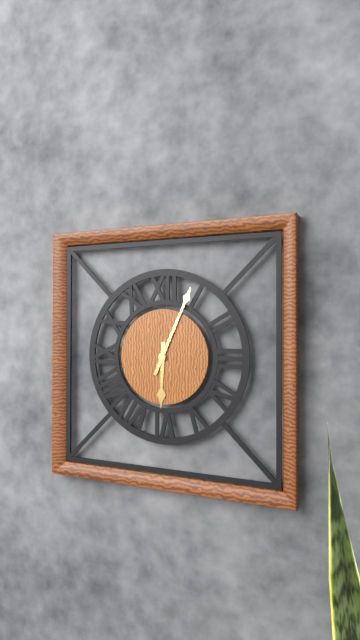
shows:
6,04
